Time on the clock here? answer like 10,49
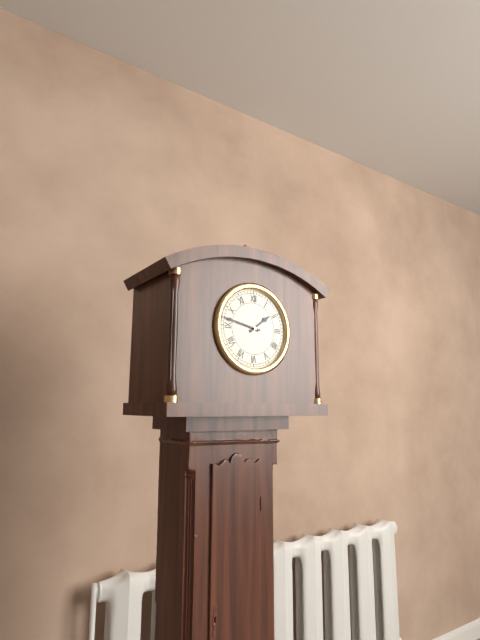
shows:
1,47
